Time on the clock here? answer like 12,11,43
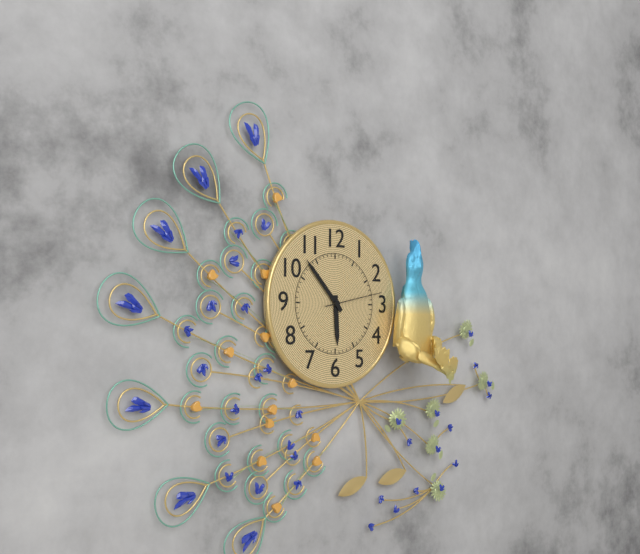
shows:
5,53,13
